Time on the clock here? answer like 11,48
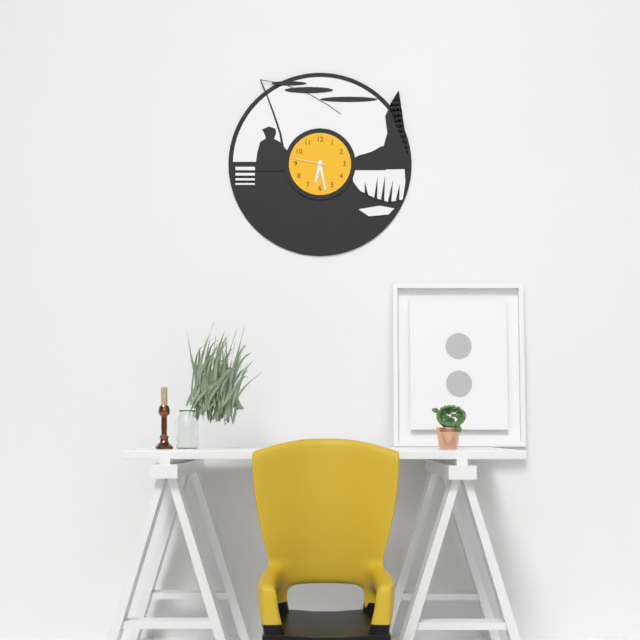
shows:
6,28
